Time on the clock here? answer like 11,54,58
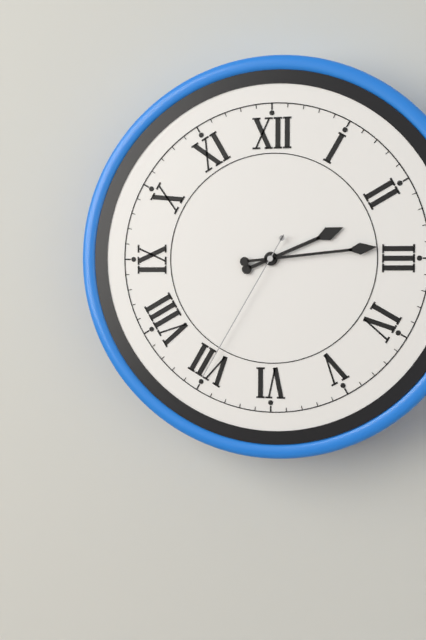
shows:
2,14,35
